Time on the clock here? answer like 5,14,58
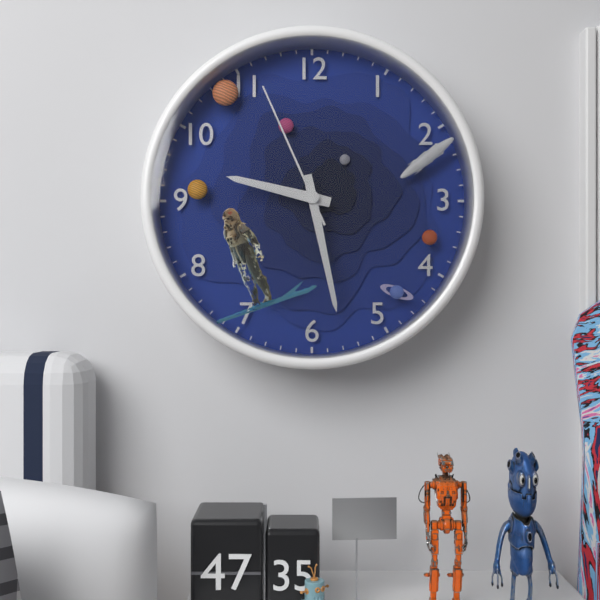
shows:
9,28,56
